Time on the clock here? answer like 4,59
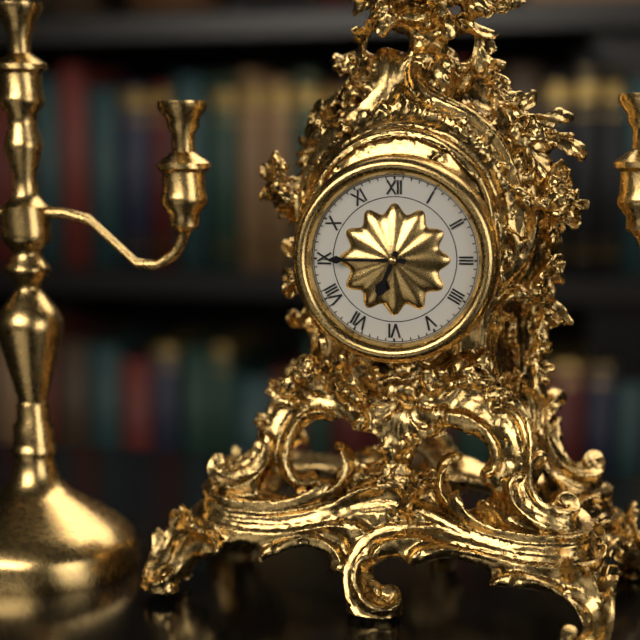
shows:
6,45
